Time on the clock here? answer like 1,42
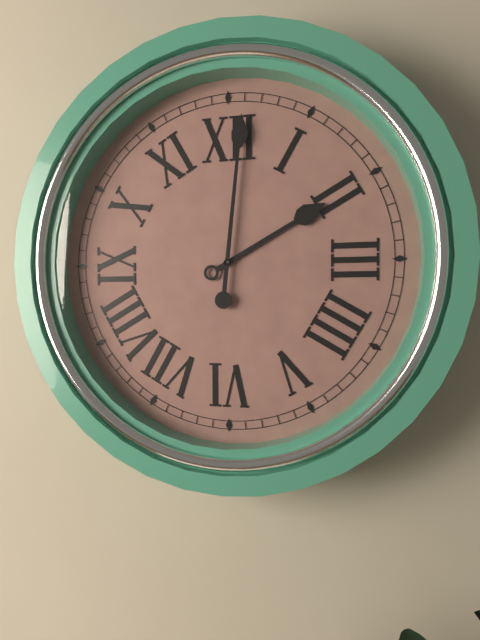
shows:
2,01
